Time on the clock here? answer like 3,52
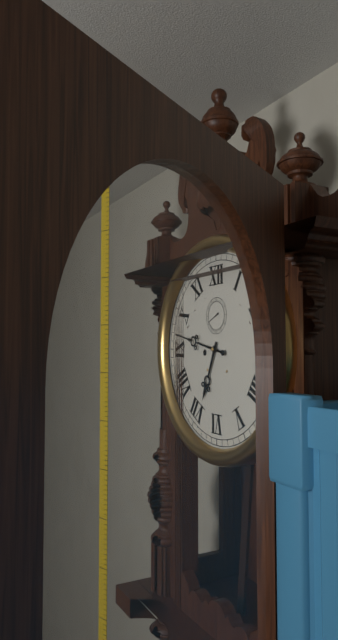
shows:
6,47
